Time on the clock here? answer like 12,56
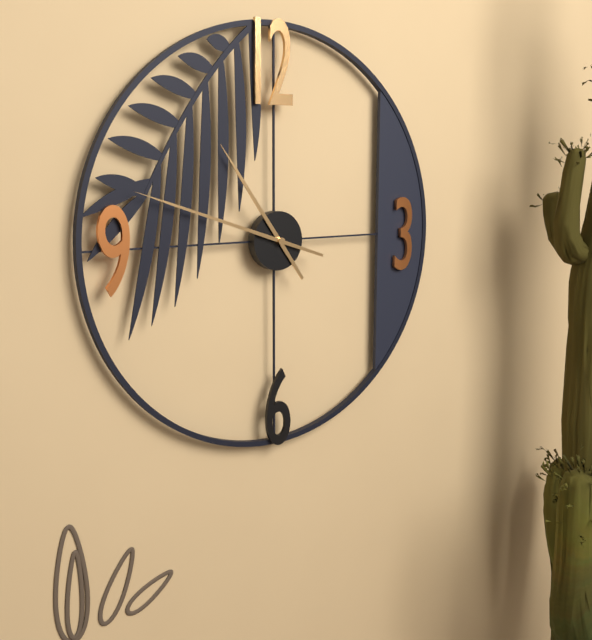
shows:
10,48
